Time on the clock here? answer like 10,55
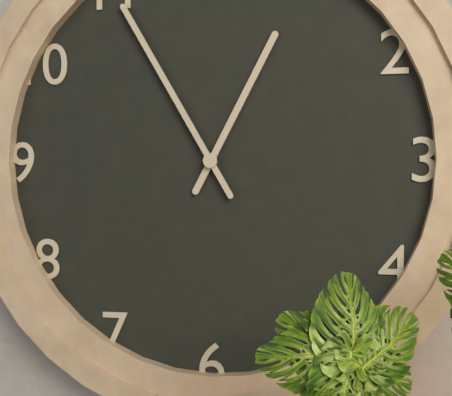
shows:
12,55
